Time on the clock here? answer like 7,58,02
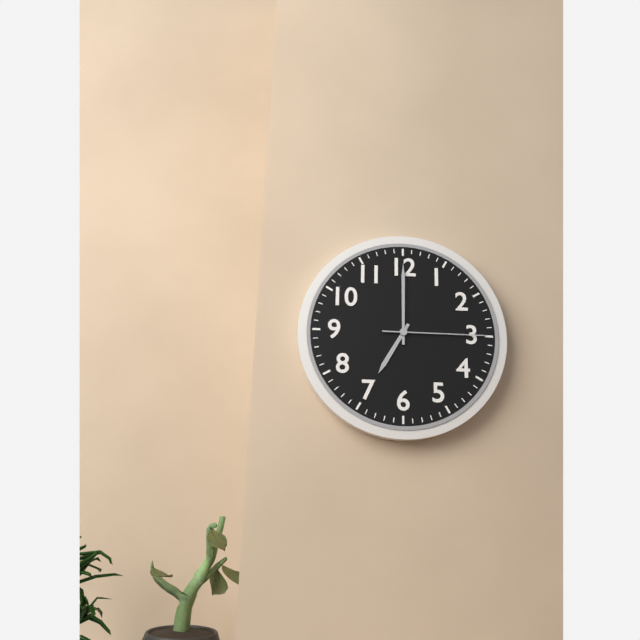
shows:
7,00,15
